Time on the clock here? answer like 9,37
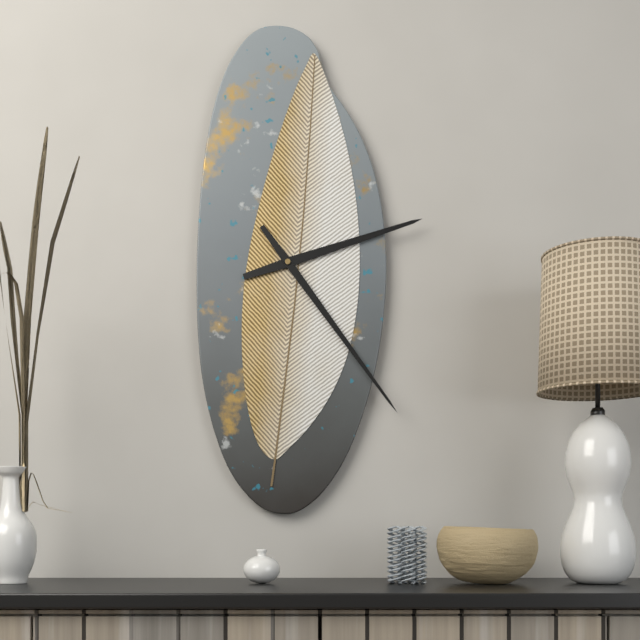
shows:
2,24
